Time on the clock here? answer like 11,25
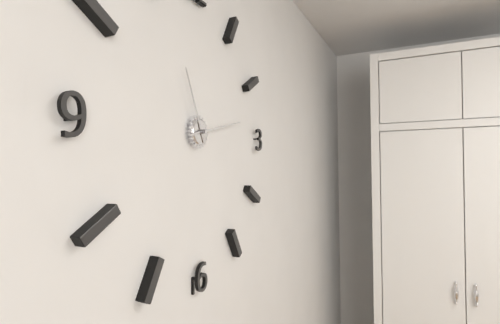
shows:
11,13
